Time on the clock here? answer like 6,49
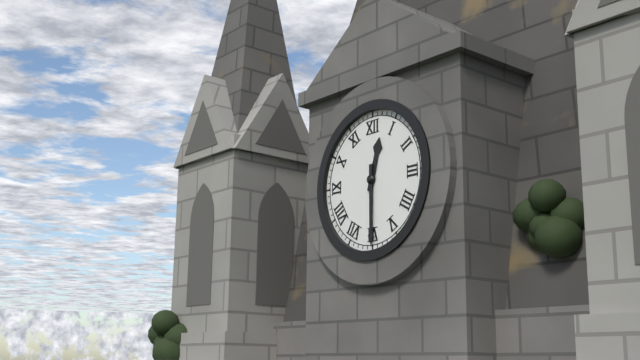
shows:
12,30
